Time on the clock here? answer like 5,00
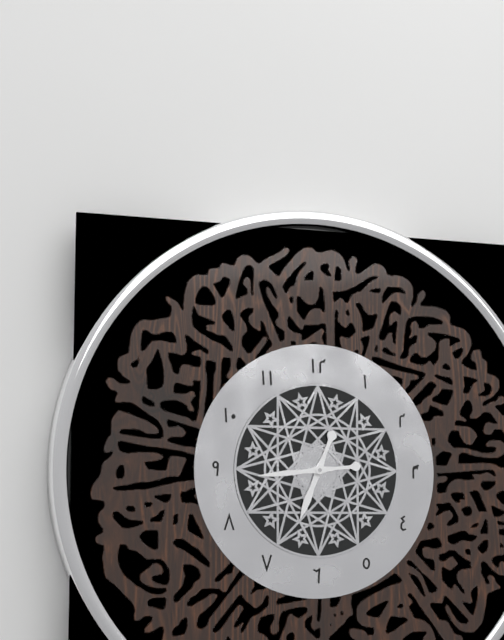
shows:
6,44
